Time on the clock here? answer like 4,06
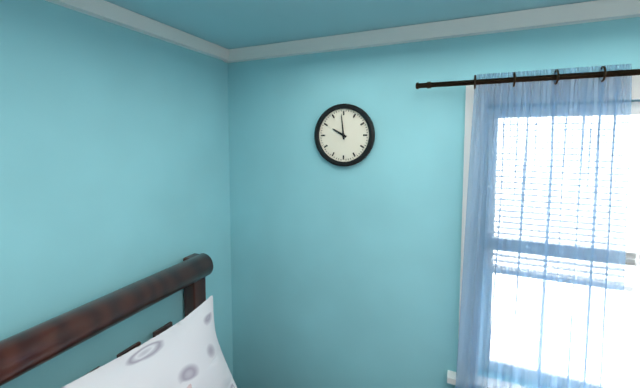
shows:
9,59
